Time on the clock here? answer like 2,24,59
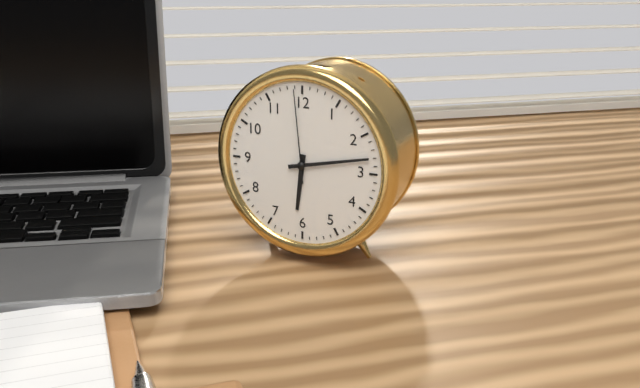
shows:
6,13,59
